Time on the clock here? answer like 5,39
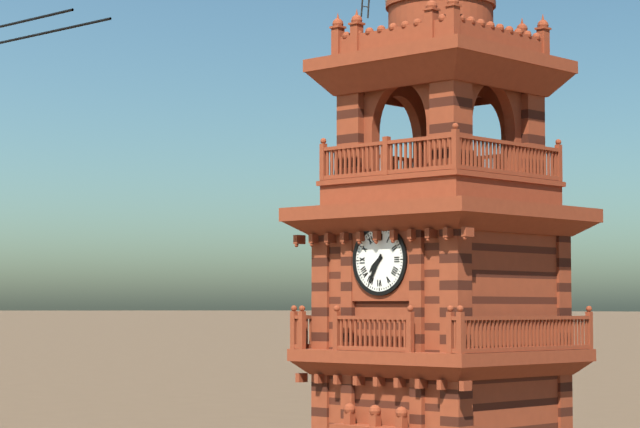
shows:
7,35
